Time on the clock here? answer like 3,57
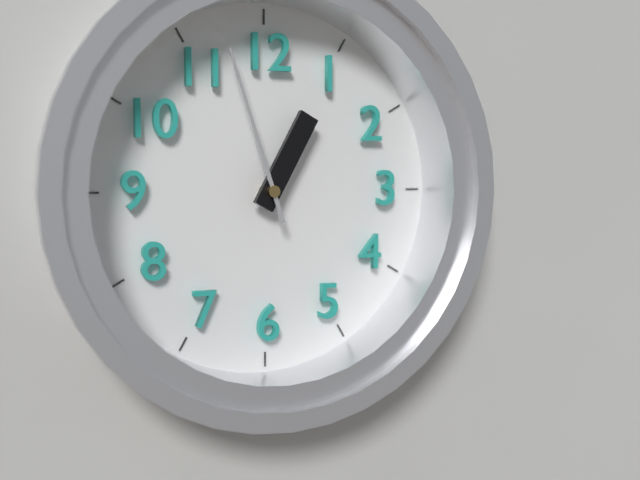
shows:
12,57
